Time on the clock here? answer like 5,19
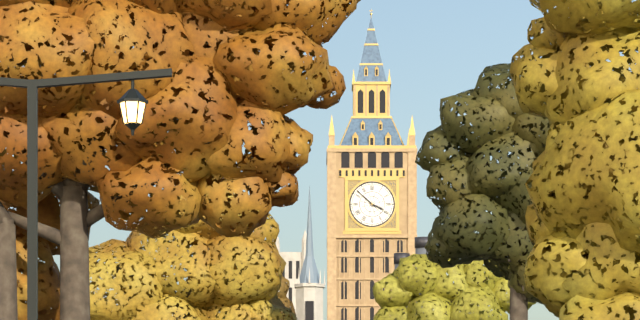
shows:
3,52
